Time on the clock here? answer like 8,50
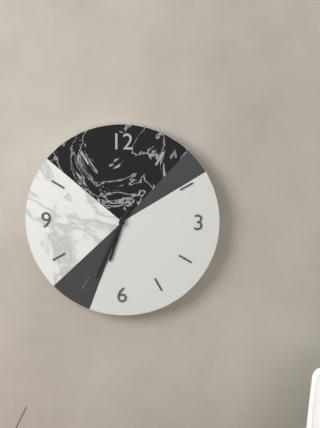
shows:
6,34
